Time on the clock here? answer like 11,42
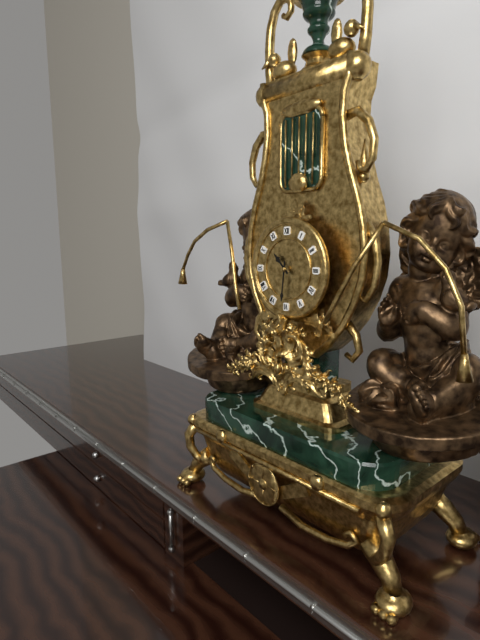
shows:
10,31
